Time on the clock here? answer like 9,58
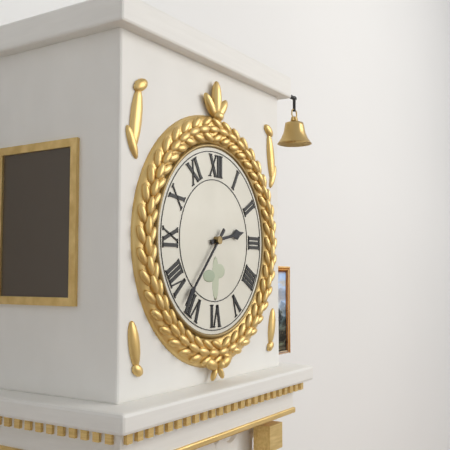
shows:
2,37
